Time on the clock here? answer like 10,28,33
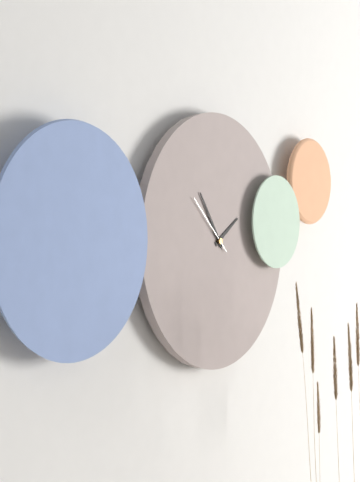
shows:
1,54,52
